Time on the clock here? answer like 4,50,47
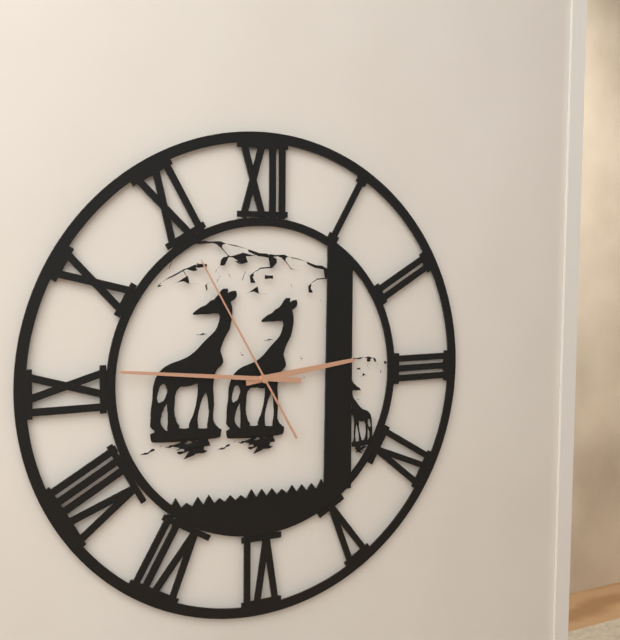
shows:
2,46,55
